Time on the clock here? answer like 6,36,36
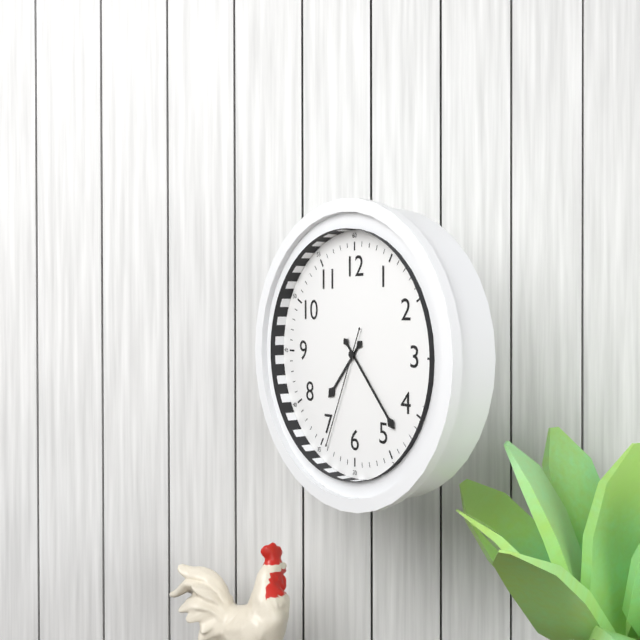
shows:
7,23,34
